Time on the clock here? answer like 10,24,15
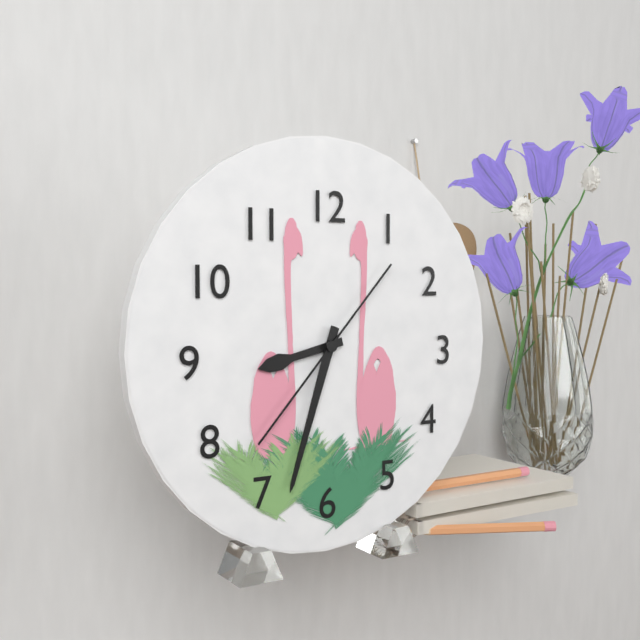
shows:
8,33,37
